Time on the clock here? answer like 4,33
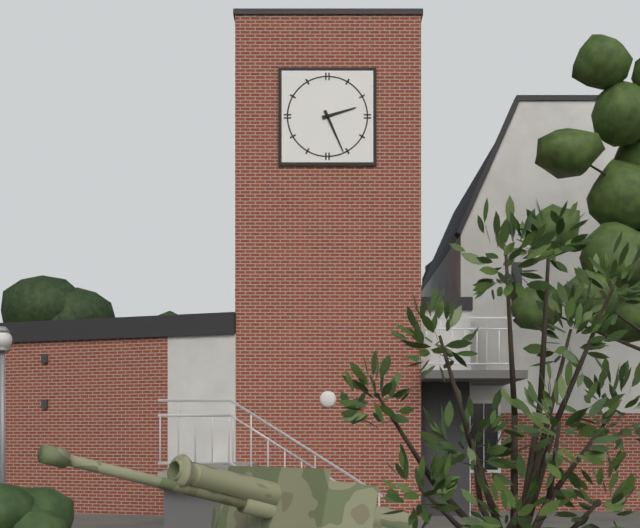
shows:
2,26
